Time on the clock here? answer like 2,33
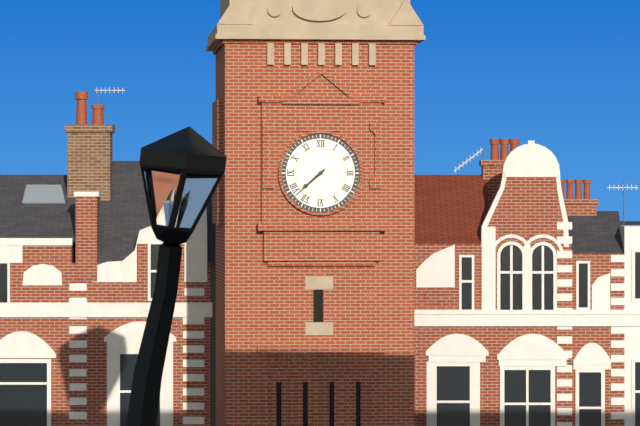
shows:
7,38
